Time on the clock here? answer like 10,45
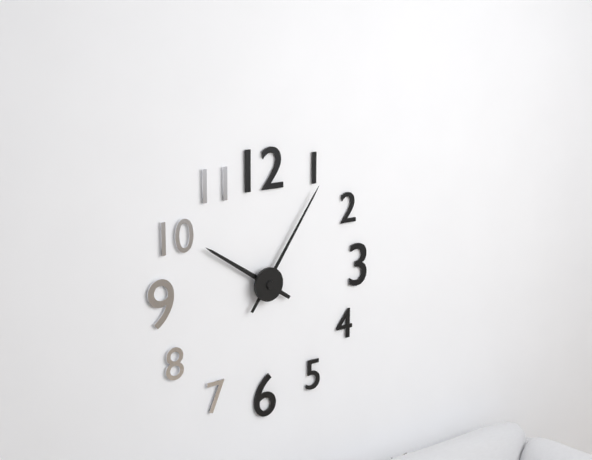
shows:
10,06
